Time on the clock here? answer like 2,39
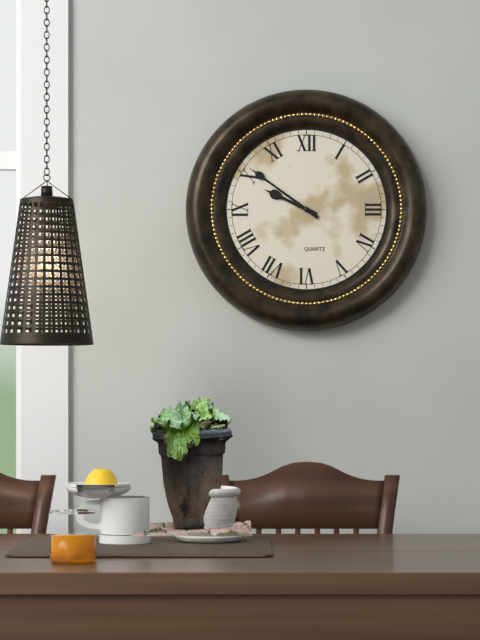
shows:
9,51
